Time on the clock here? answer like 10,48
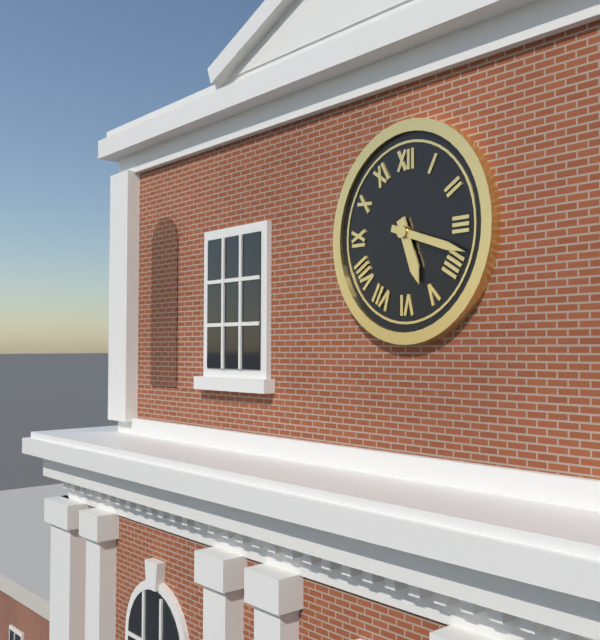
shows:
5,18
